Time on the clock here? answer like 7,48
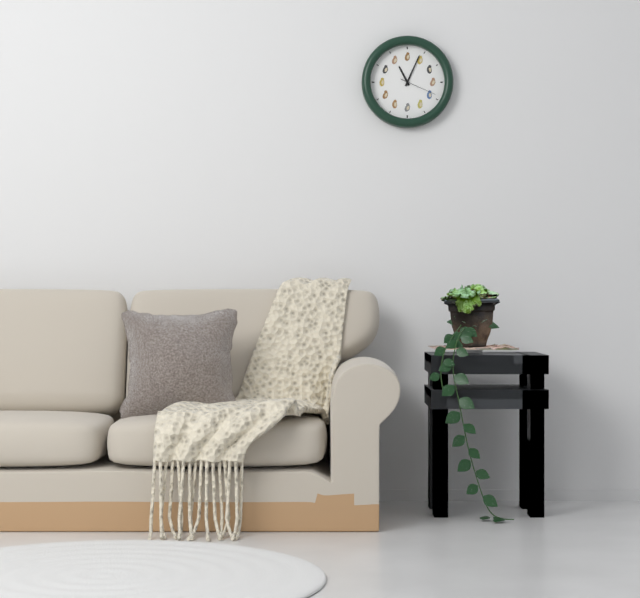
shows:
11,04
